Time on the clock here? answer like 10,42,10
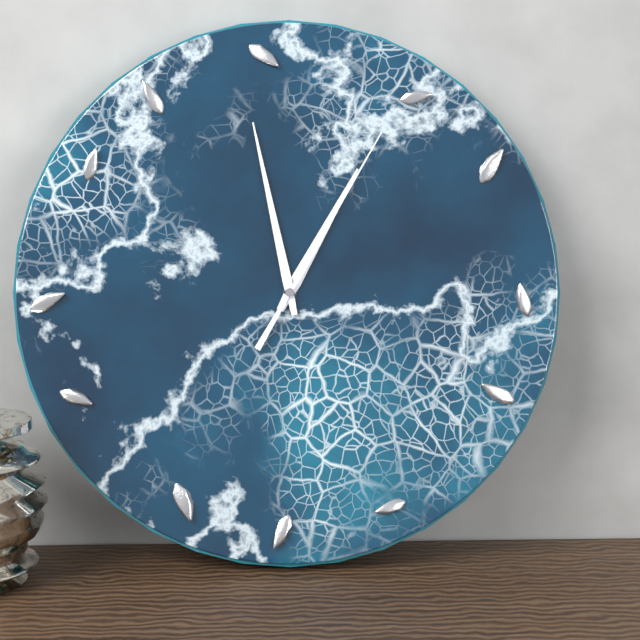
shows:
12,58,05
